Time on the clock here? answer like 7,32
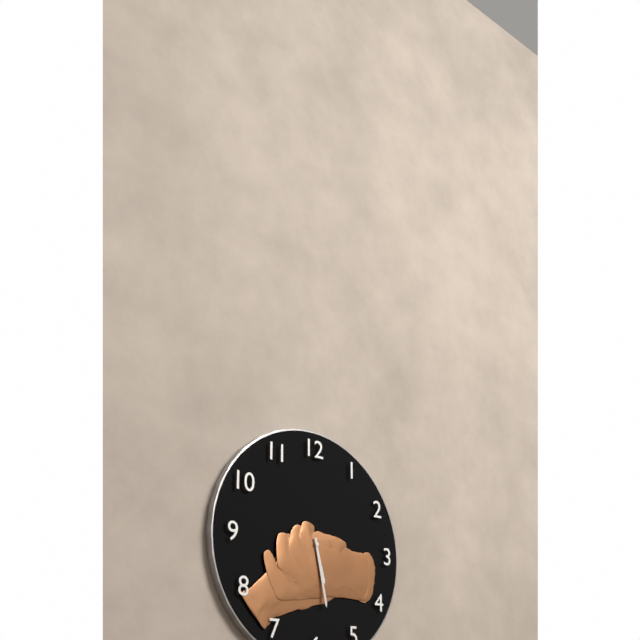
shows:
5,28
